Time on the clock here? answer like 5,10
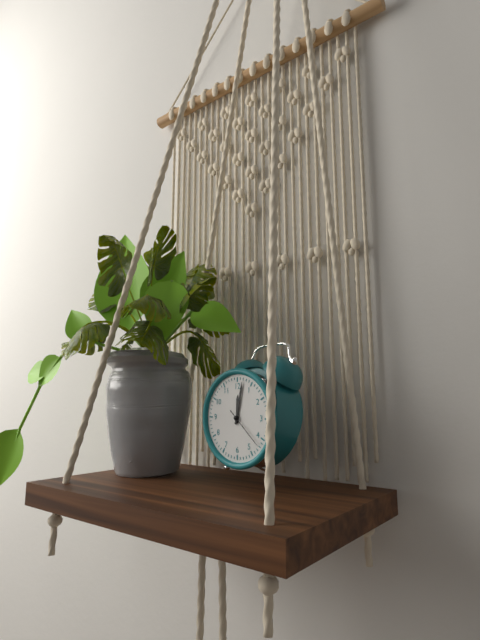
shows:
12,02
